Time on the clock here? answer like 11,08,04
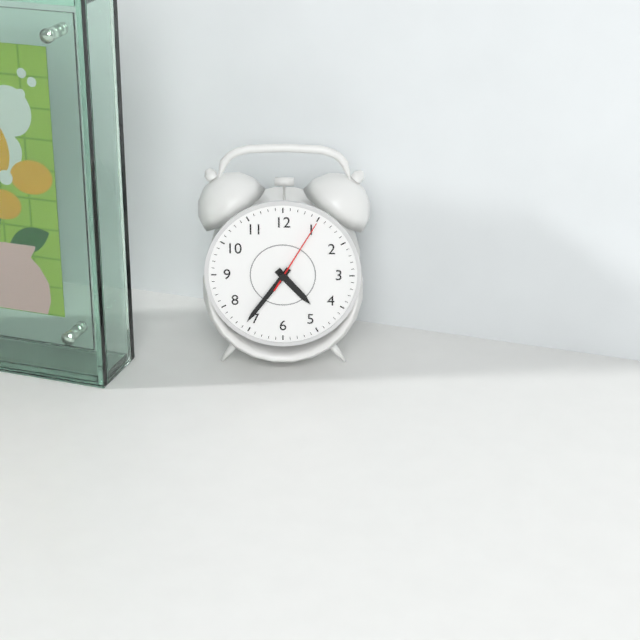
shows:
4,36,05
